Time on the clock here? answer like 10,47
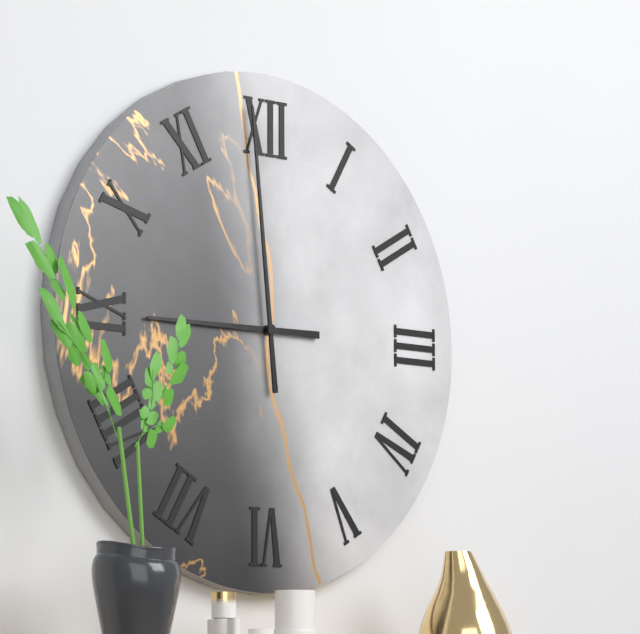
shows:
8,59
